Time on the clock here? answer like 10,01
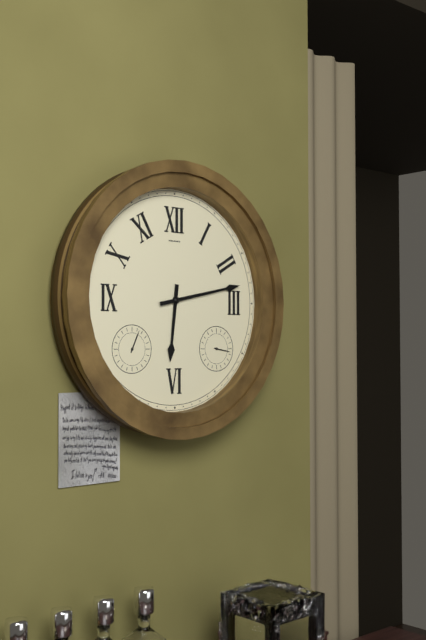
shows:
6,13
